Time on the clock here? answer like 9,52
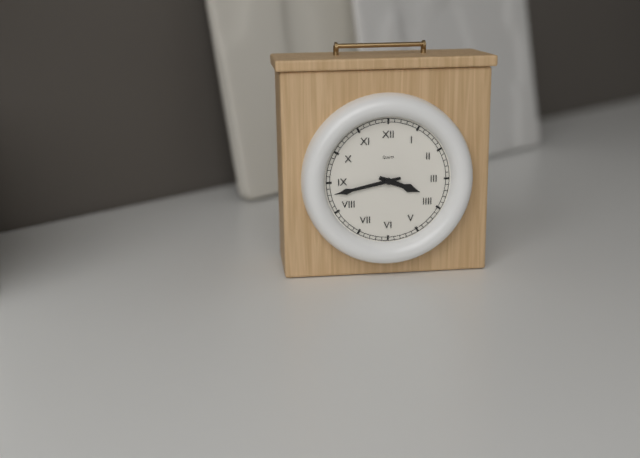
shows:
3,43
